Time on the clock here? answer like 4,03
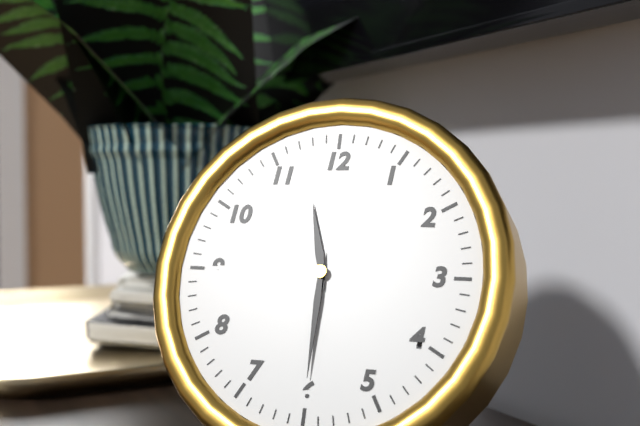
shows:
11,30
